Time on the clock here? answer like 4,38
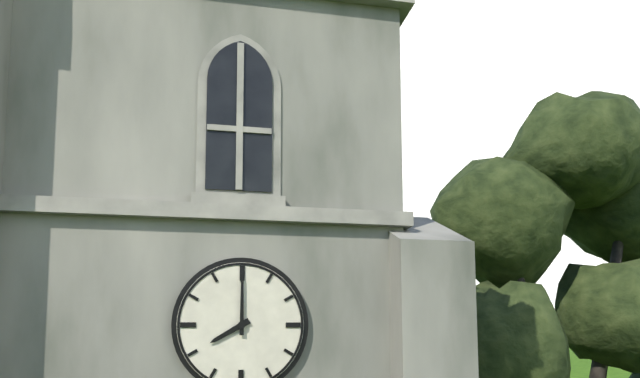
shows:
8,00
